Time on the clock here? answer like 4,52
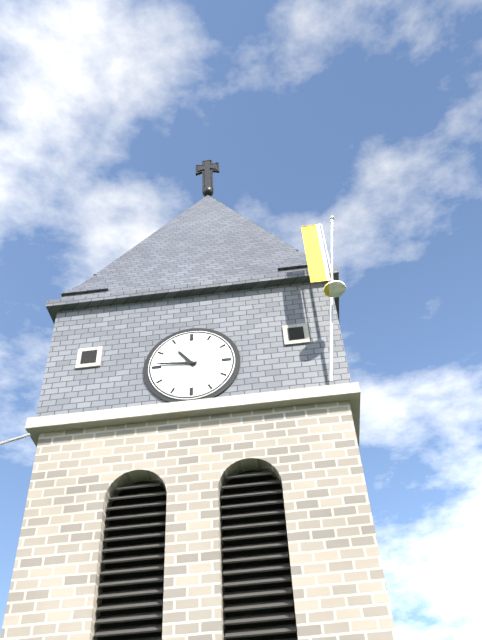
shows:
10,46
